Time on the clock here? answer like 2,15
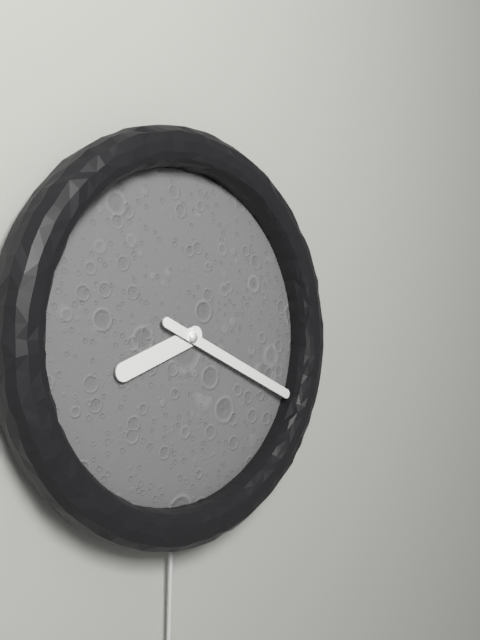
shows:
8,19
